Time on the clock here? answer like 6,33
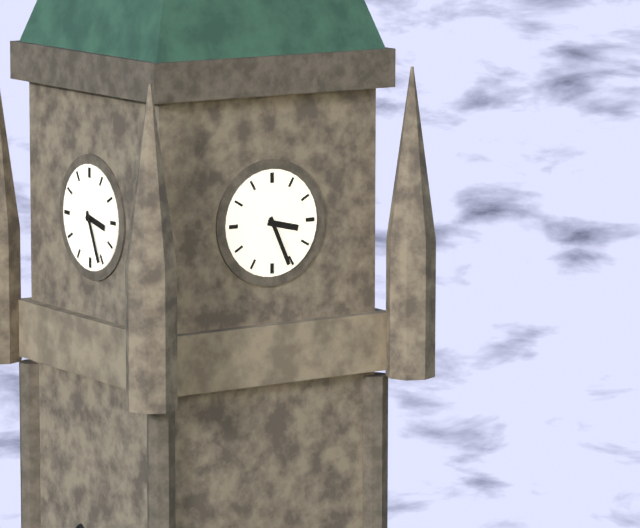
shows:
3,26
